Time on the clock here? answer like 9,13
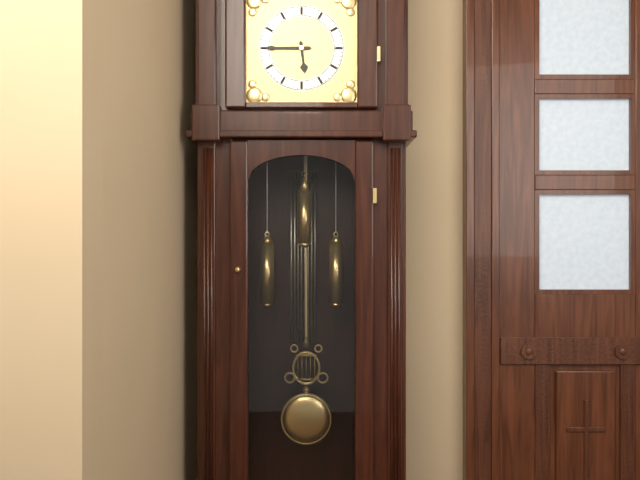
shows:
5,45
